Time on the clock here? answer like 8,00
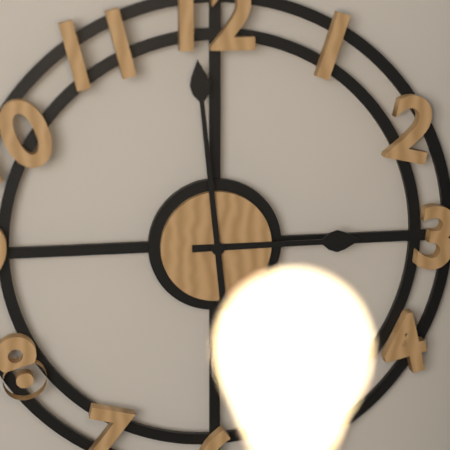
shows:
2,59
